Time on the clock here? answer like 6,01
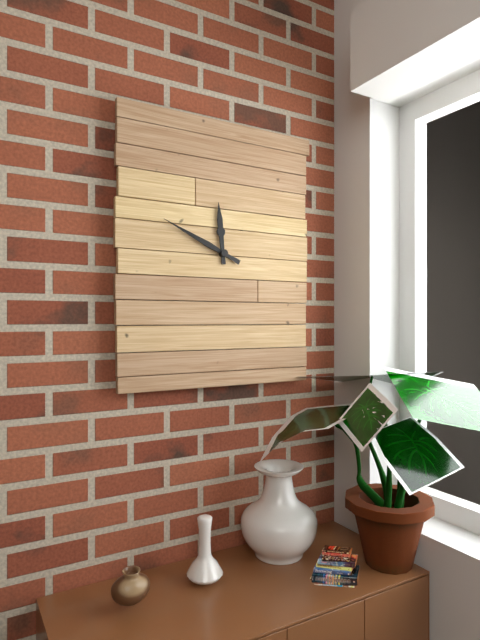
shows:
11,49
